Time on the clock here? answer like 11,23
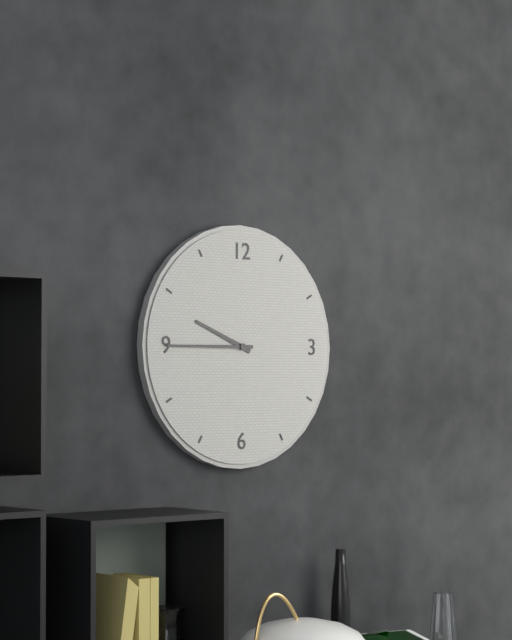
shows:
9,45
